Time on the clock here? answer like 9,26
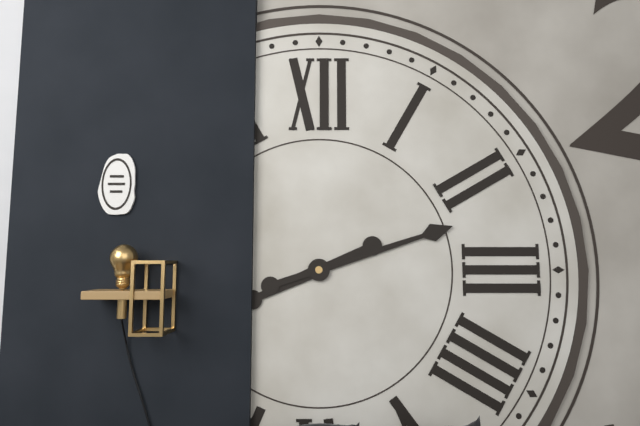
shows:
8,12
